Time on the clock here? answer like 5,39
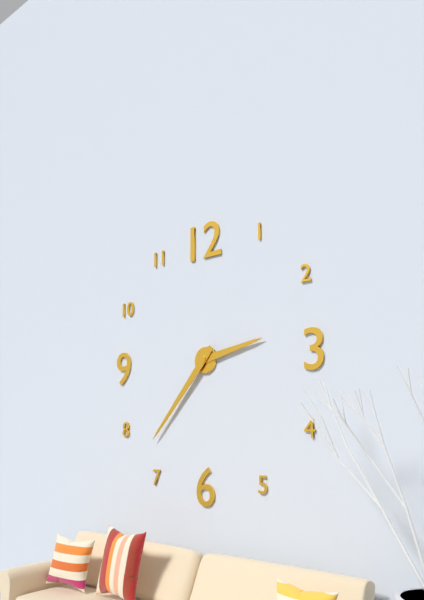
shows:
2,37
